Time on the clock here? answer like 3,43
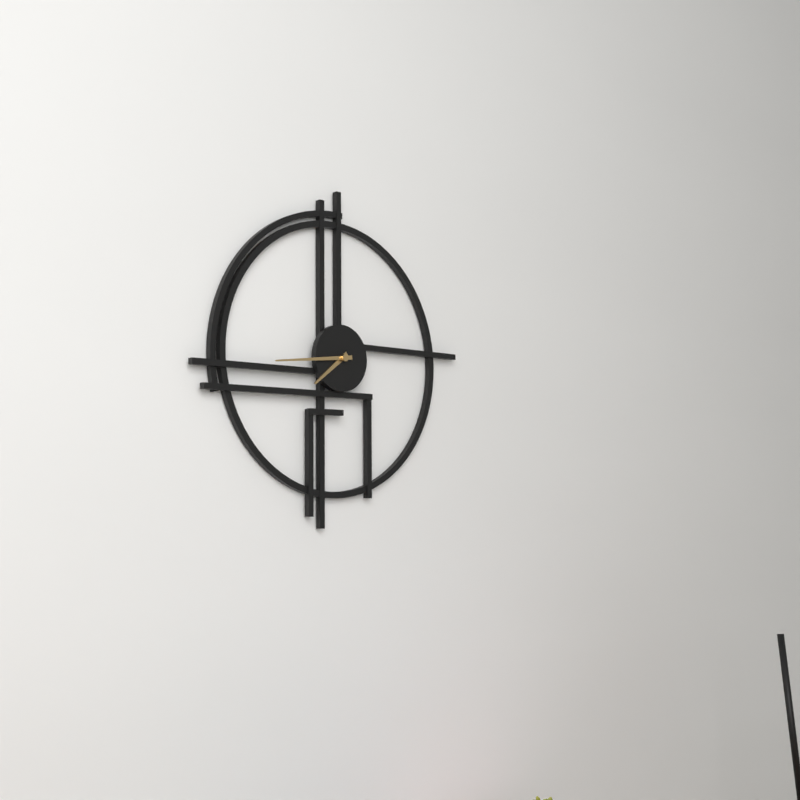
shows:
7,44
